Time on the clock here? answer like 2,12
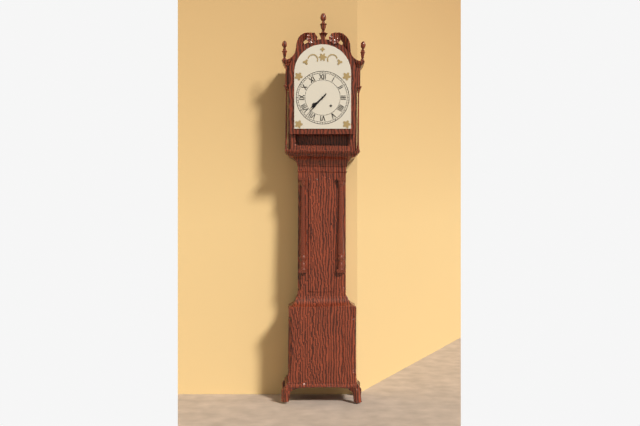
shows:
7,37
